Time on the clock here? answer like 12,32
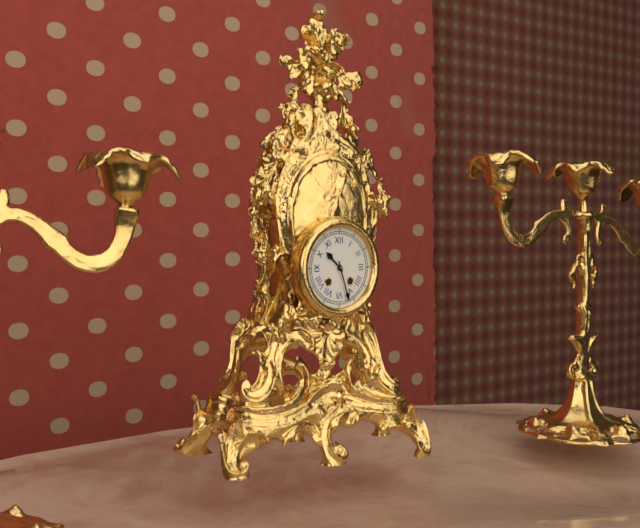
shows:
10,27
